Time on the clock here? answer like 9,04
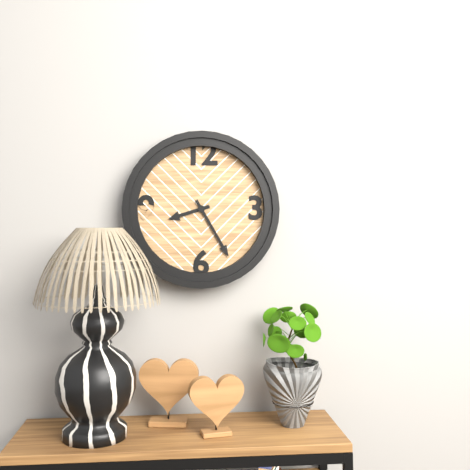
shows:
8,25
